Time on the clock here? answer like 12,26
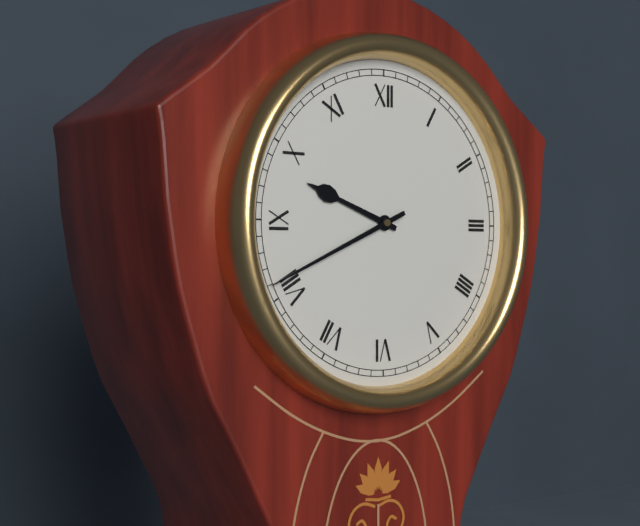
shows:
9,41
